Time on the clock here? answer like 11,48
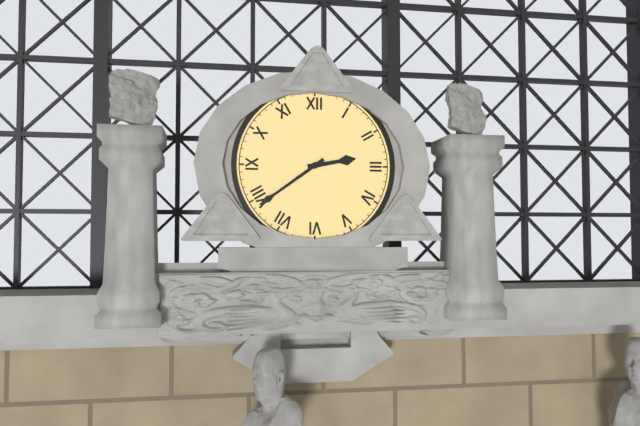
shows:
2,39
